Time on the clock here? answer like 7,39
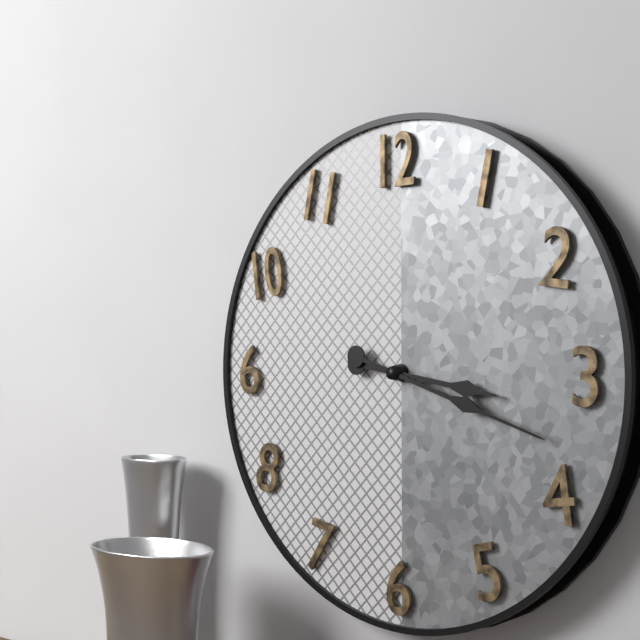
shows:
3,18
